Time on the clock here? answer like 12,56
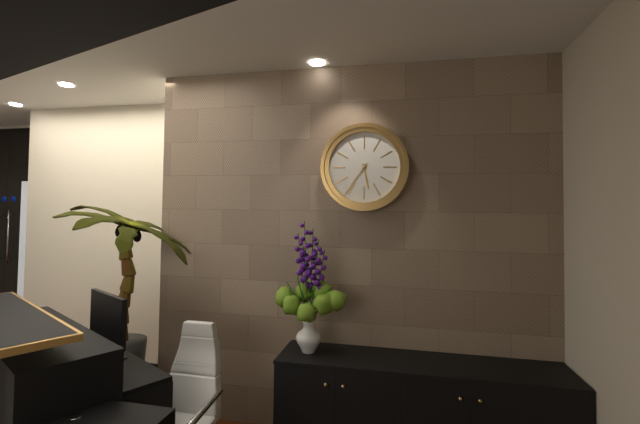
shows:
5,36
